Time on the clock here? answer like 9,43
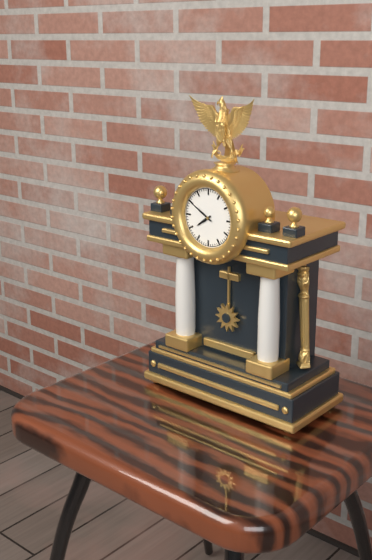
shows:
7,50
